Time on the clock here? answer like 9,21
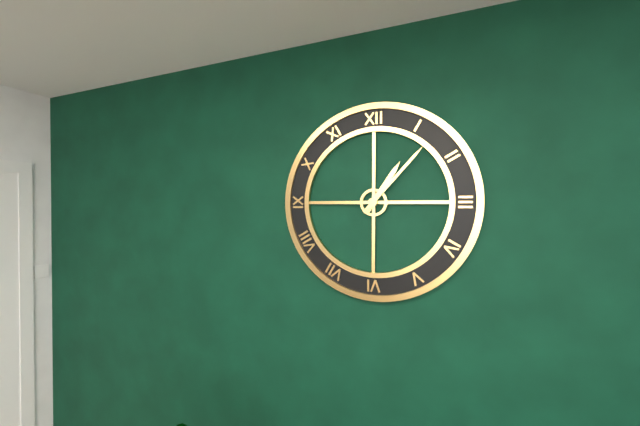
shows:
1,07
